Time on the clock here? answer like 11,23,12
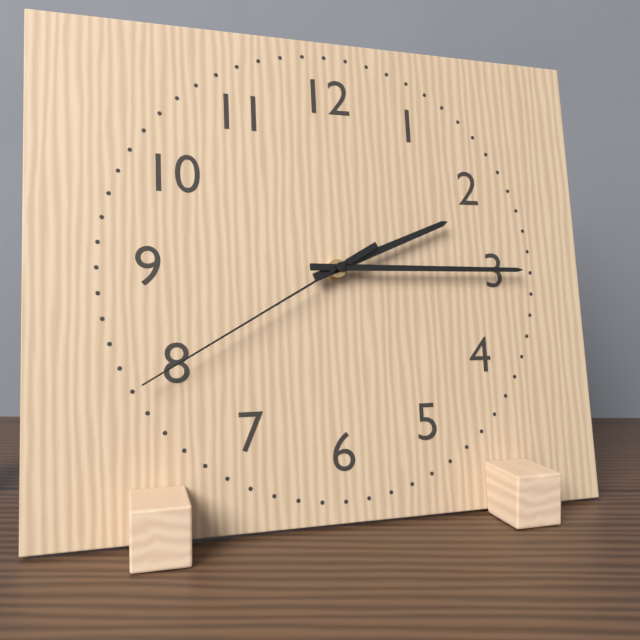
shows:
2,15,40
